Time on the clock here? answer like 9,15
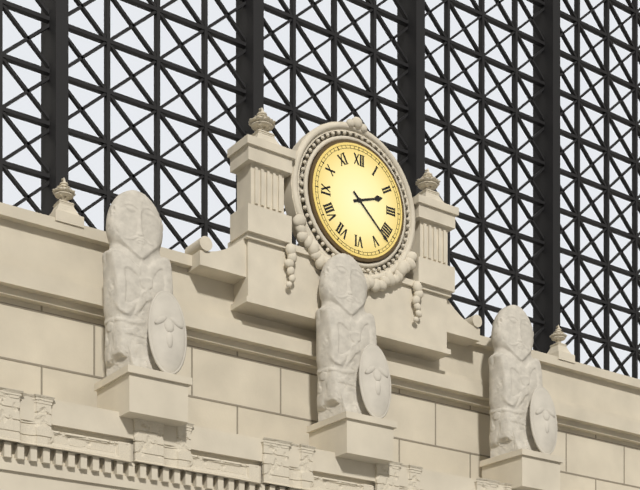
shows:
2,22
